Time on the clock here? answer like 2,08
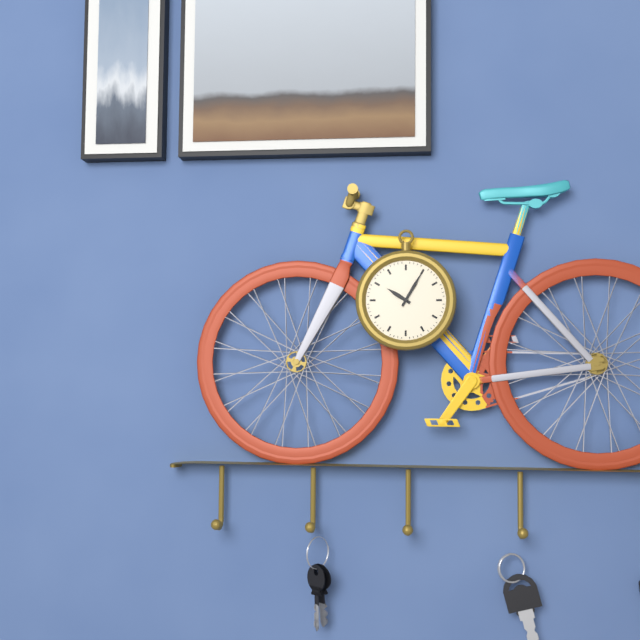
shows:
10,05
